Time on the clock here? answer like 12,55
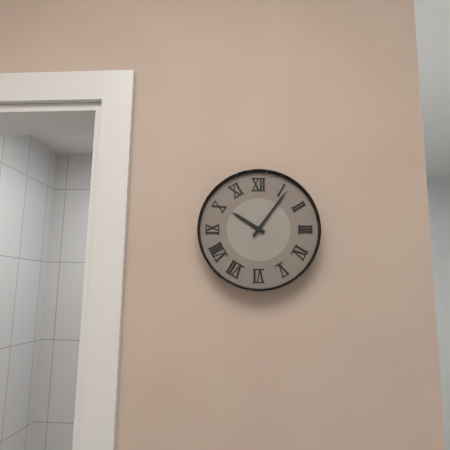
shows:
10,06
